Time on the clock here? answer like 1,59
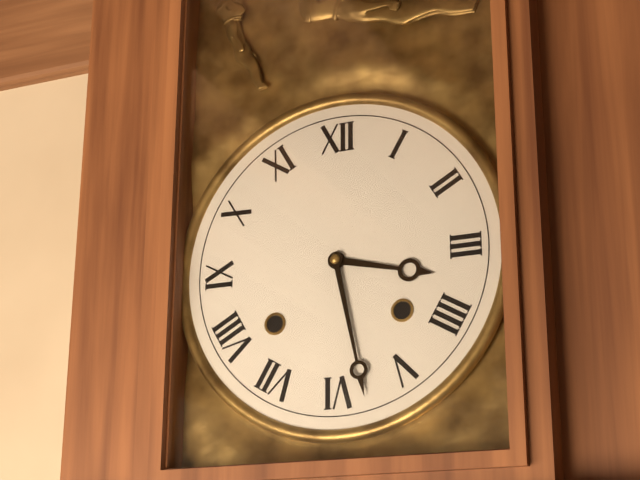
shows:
3,28
